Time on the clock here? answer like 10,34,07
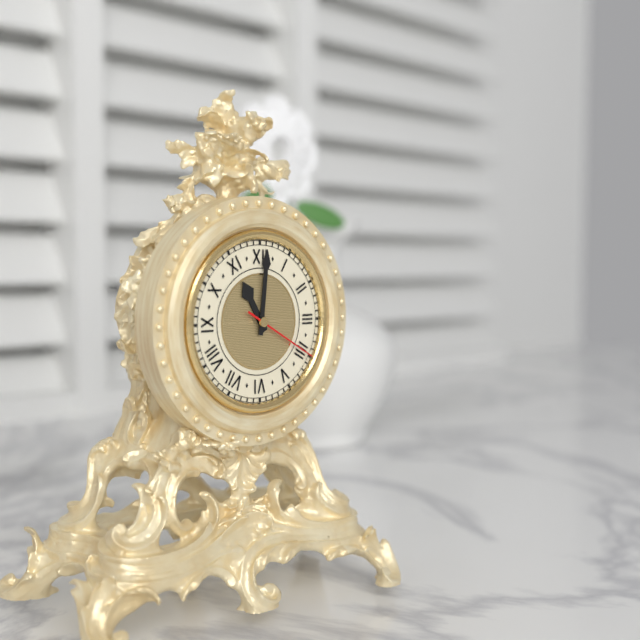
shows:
11,01,20
